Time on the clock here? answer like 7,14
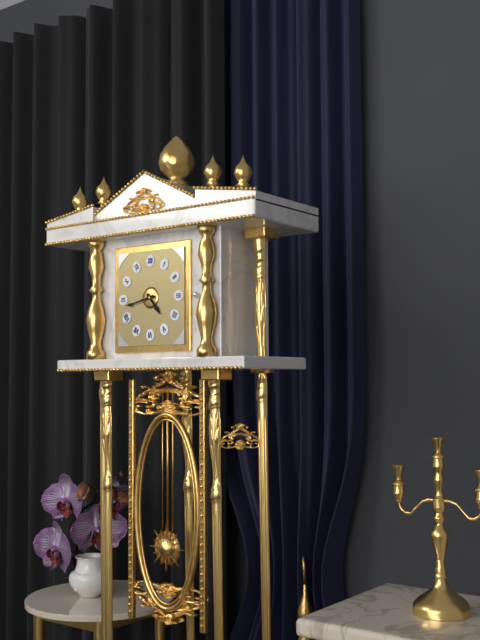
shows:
4,43
